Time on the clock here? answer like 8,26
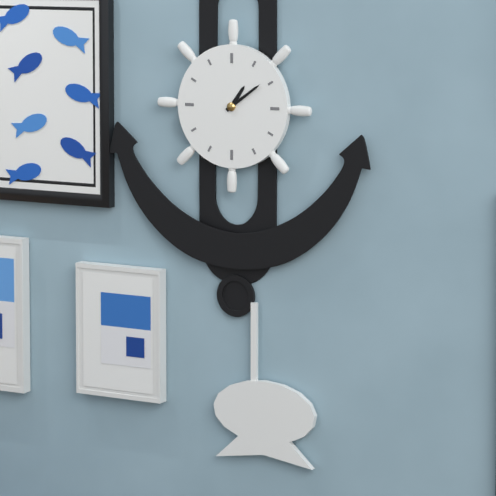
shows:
1,09
